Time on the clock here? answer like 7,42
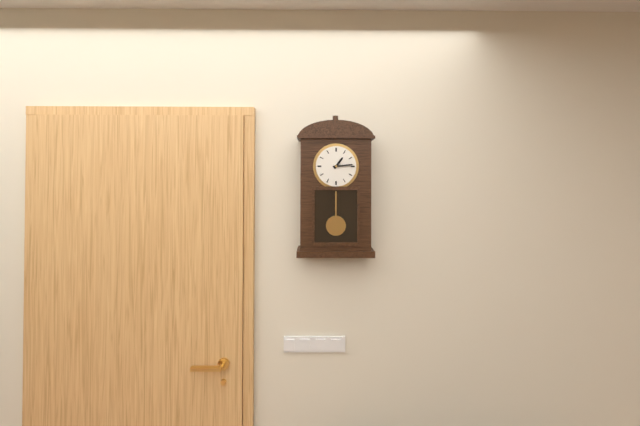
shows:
1,14
